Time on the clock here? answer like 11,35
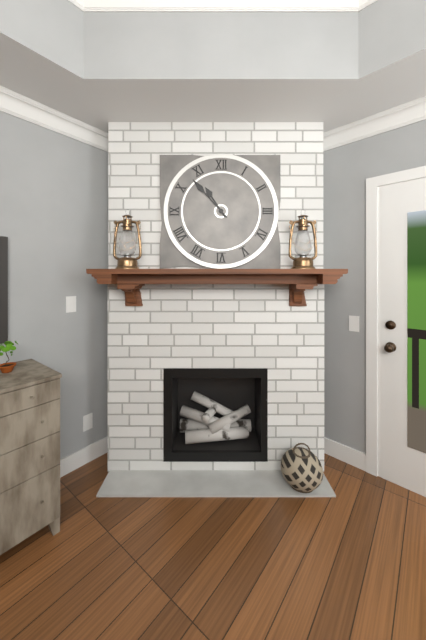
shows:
10,53
